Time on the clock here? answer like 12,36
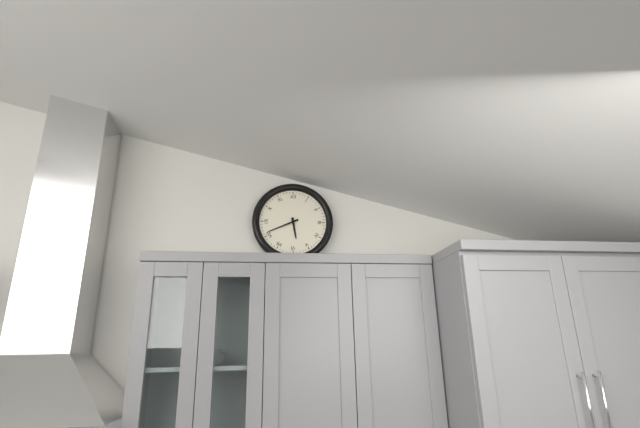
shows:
5,41
